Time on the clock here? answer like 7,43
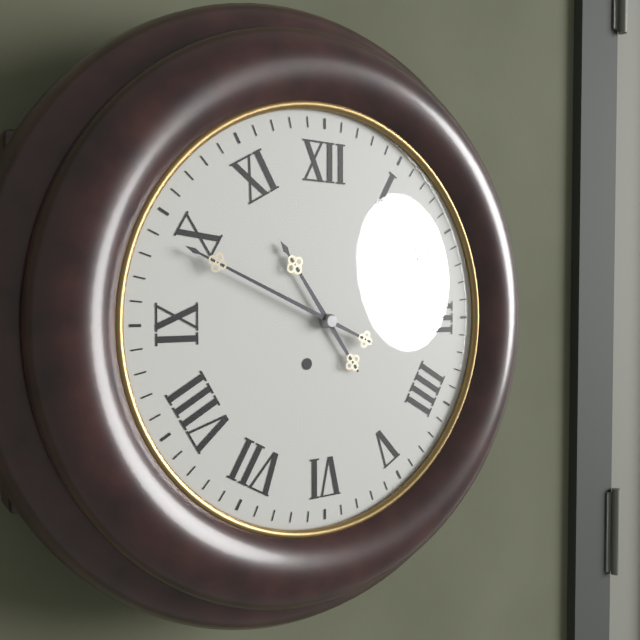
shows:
10,49
